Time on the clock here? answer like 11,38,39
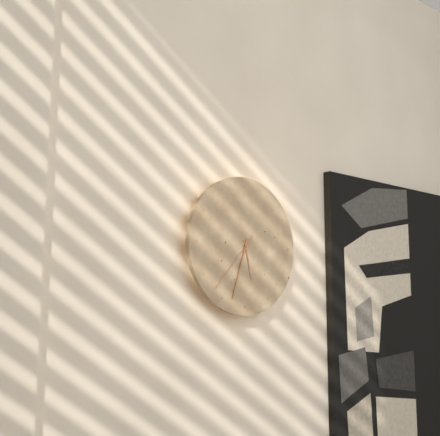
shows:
5,33,37
